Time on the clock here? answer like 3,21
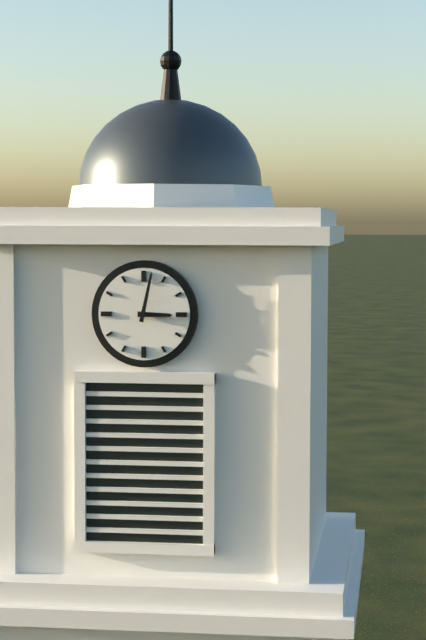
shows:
3,02
